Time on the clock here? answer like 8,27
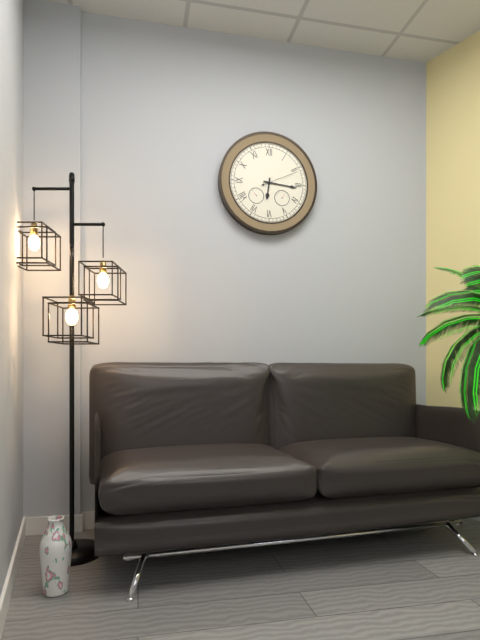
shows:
6,16
